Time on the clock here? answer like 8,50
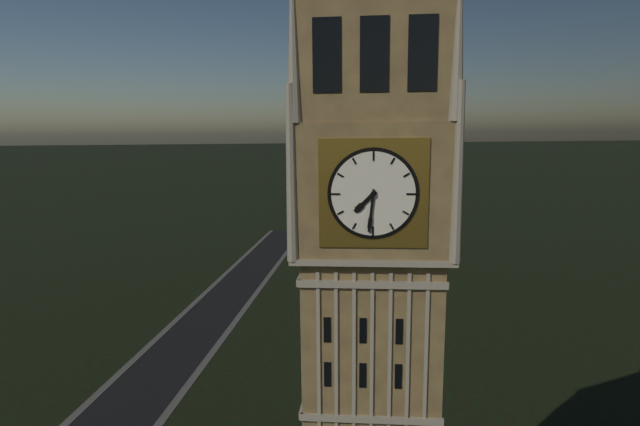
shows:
7,31
